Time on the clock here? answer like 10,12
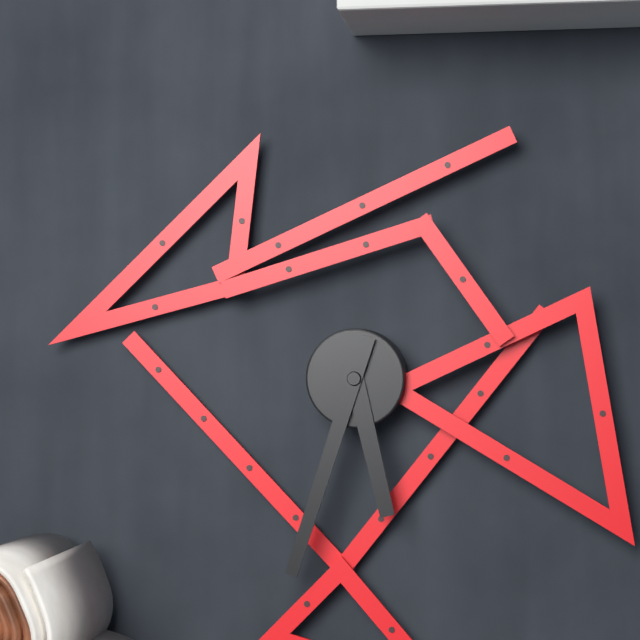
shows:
5,33
